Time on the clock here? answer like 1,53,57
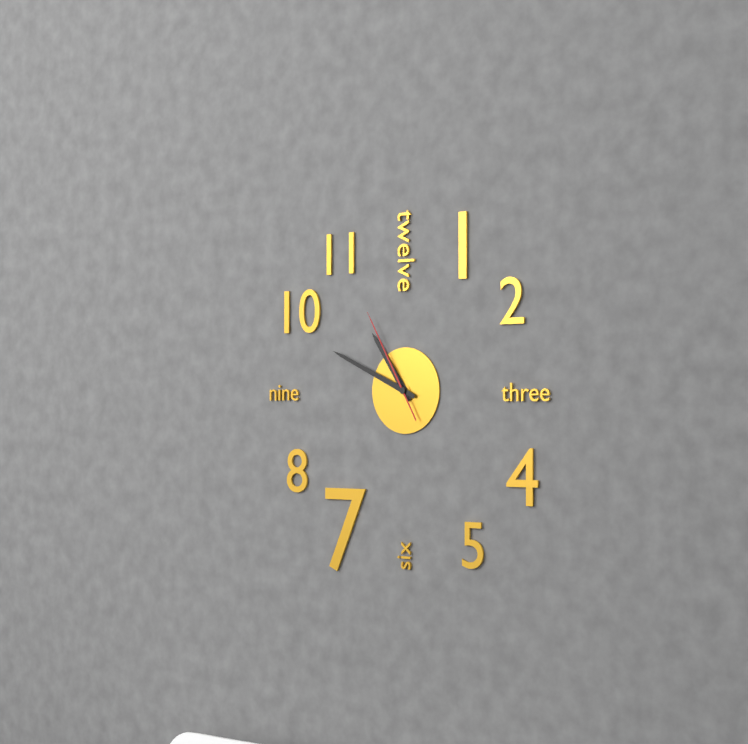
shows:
10,49,55
